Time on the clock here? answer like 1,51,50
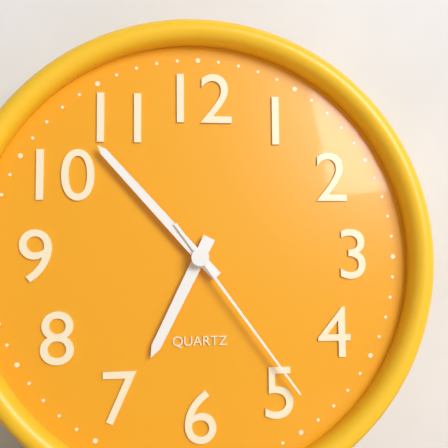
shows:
6,53,24
